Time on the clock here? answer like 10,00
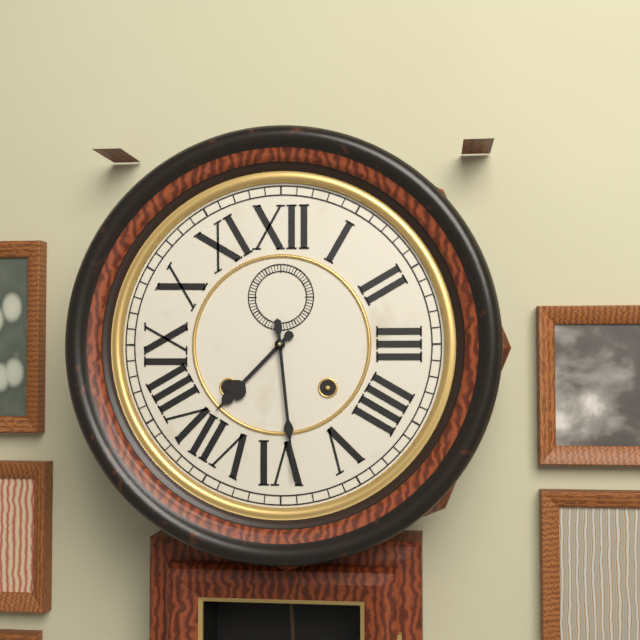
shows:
7,29
